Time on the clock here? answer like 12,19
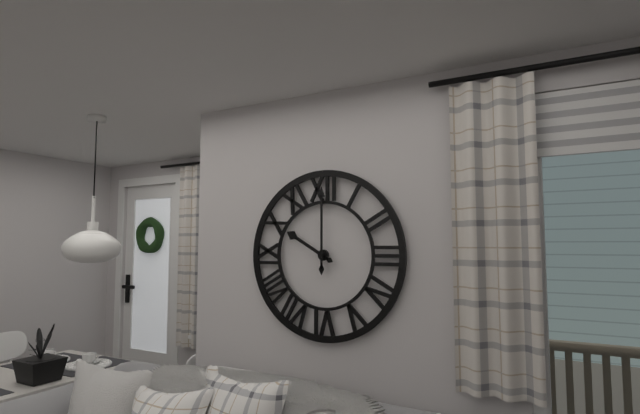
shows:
10,00
